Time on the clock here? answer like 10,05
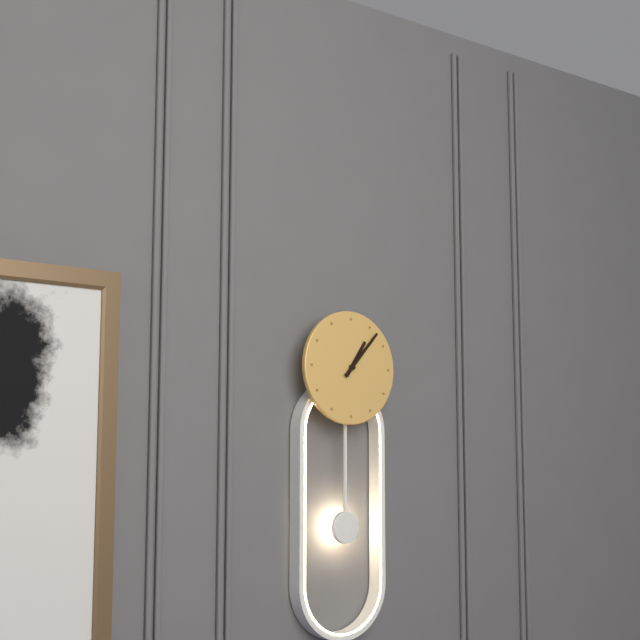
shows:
1,07
